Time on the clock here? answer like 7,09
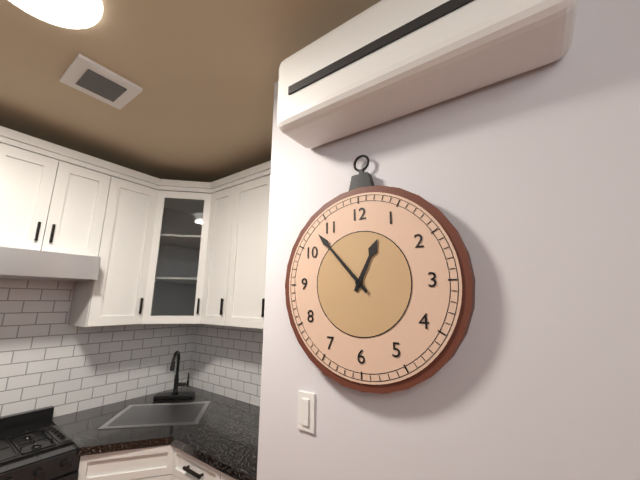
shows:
12,53
